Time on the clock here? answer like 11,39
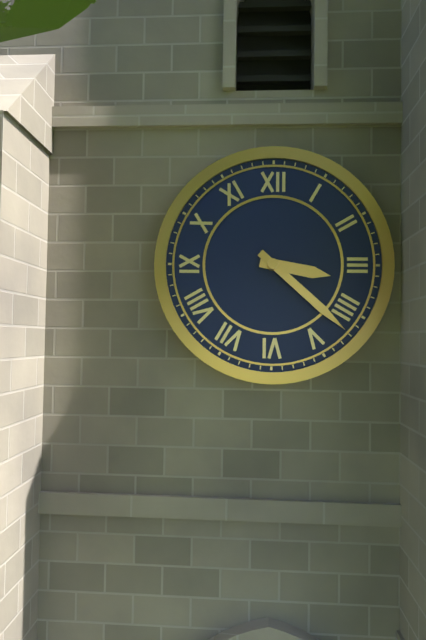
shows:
3,22
